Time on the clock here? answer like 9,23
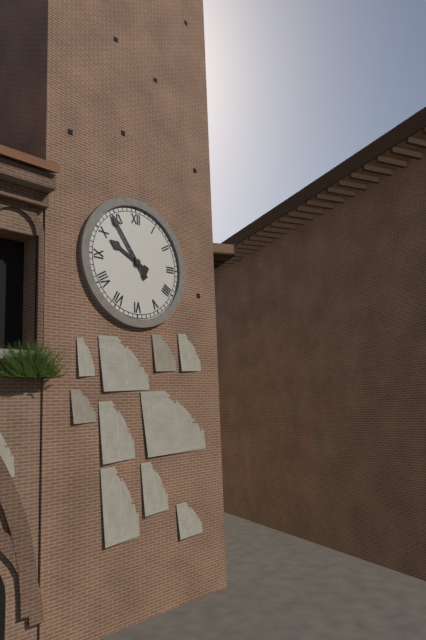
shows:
9,54
